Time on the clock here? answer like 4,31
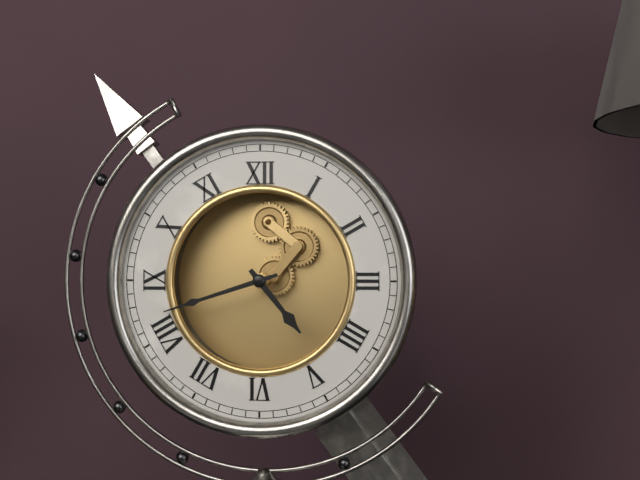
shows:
4,42
